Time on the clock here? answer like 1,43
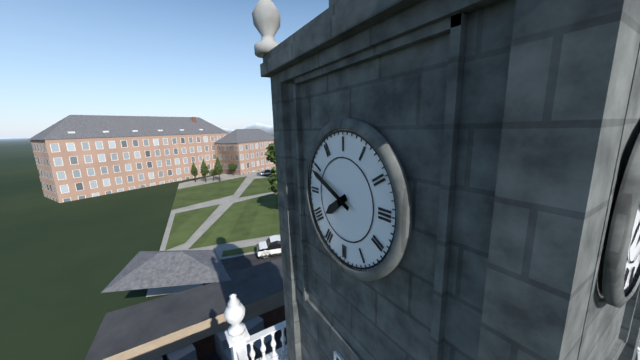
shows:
7,49
